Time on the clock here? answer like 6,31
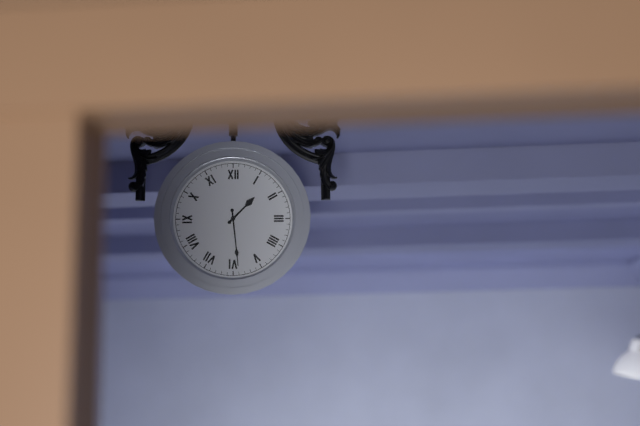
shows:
1,29
